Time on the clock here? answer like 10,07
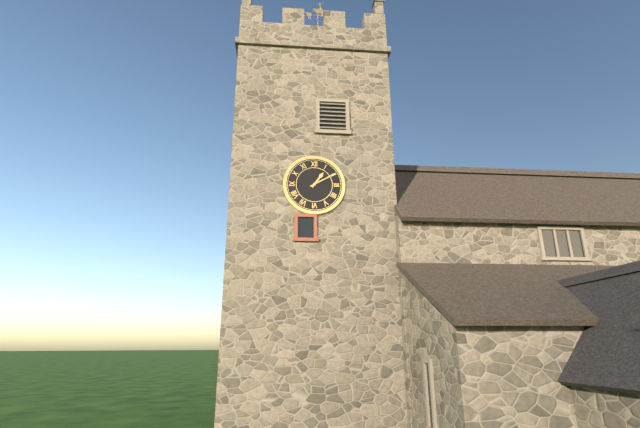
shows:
1,10
